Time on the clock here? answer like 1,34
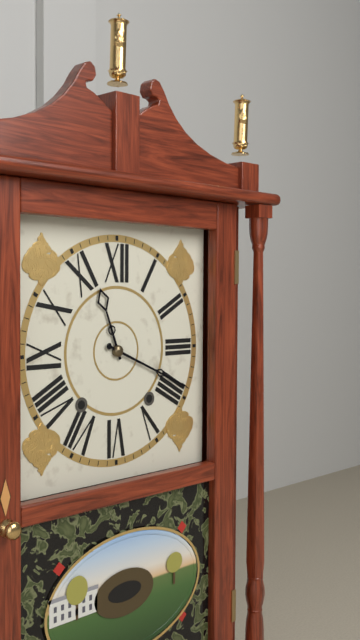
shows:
11,19
